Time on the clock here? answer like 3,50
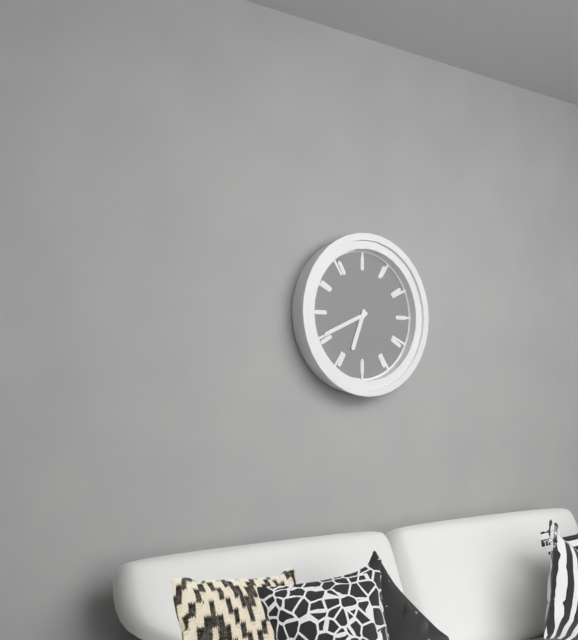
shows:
6,41
